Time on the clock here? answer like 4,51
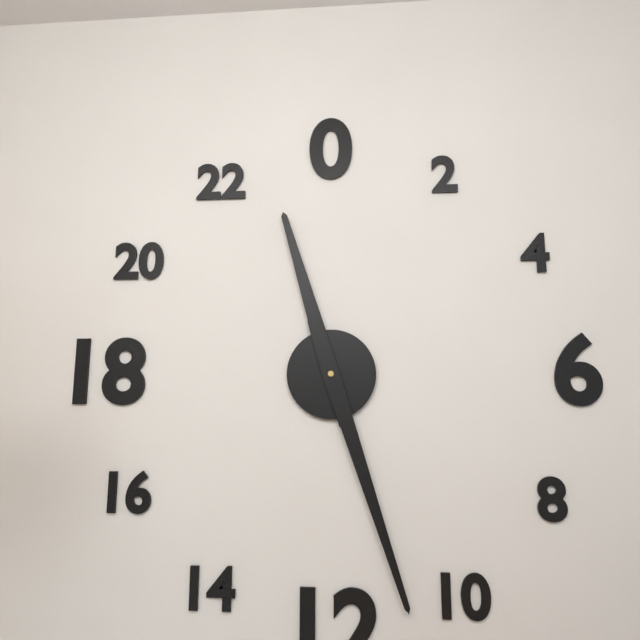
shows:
11,27
